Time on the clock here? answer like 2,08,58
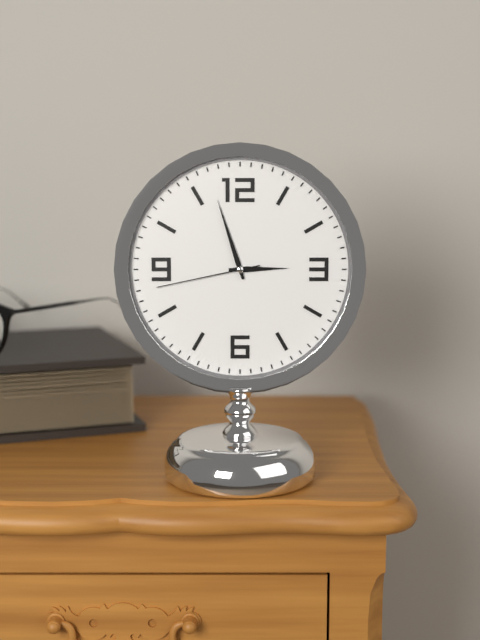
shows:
2,57,43
